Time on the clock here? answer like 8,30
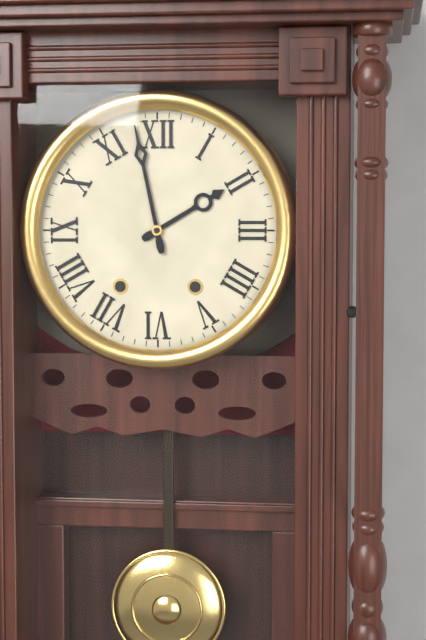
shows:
1,58
